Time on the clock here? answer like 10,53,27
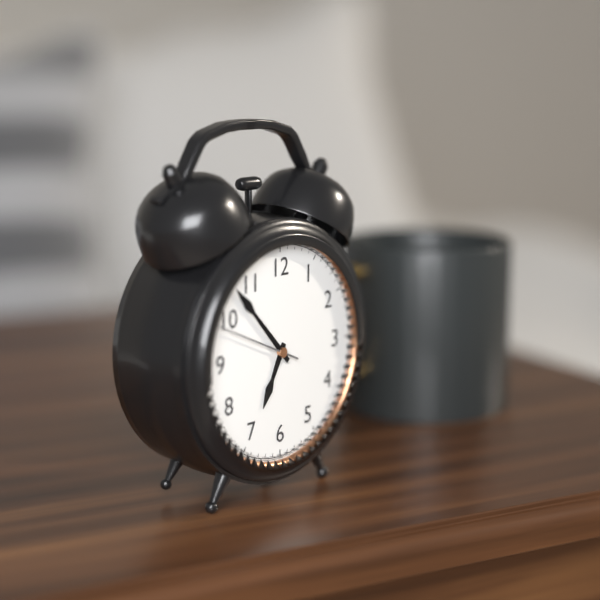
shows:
6,53,49
